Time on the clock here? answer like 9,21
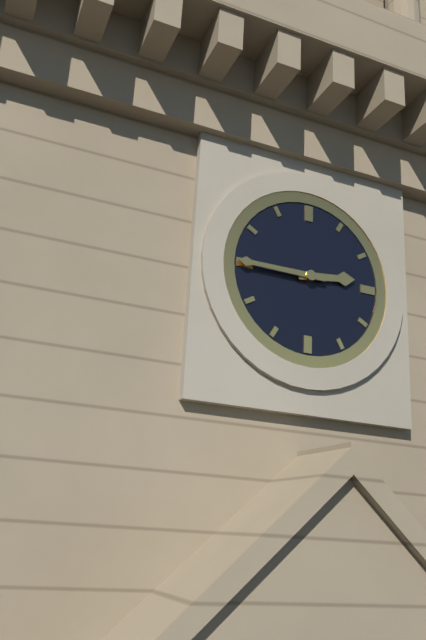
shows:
2,45
